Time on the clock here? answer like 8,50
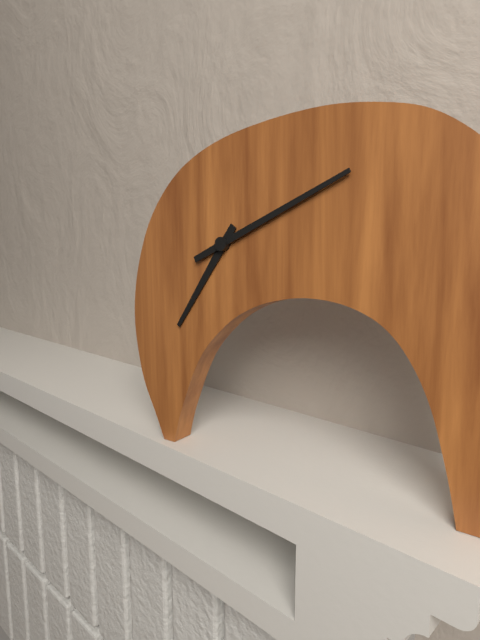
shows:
7,11
